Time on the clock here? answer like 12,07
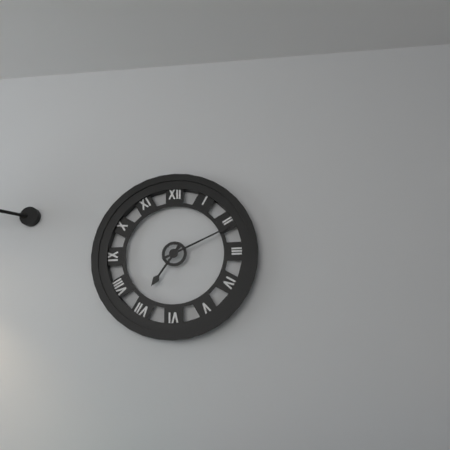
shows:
7,11
